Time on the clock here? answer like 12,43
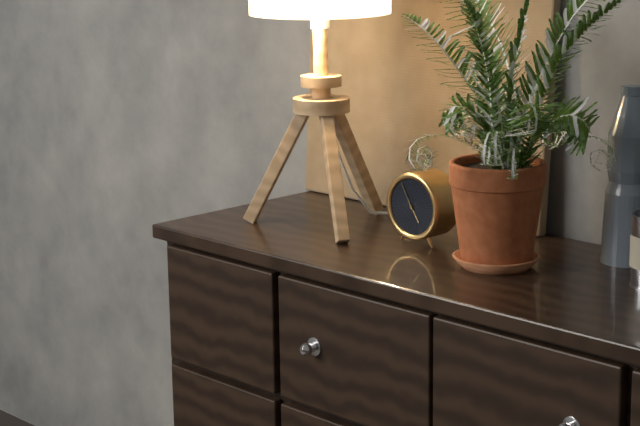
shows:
4,55
